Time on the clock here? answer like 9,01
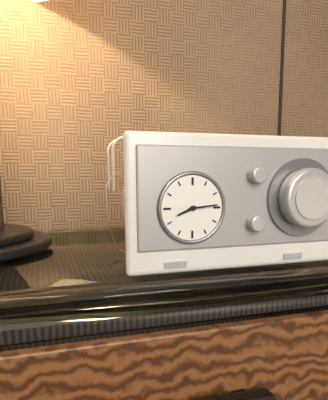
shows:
8,14
